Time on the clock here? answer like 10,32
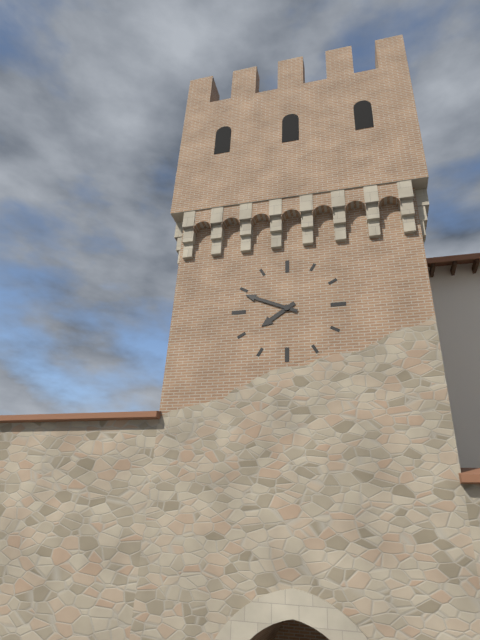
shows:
7,49
